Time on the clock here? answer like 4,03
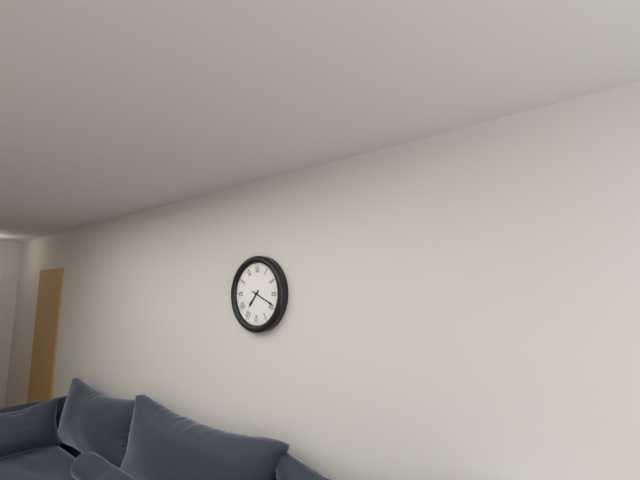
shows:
7,19
